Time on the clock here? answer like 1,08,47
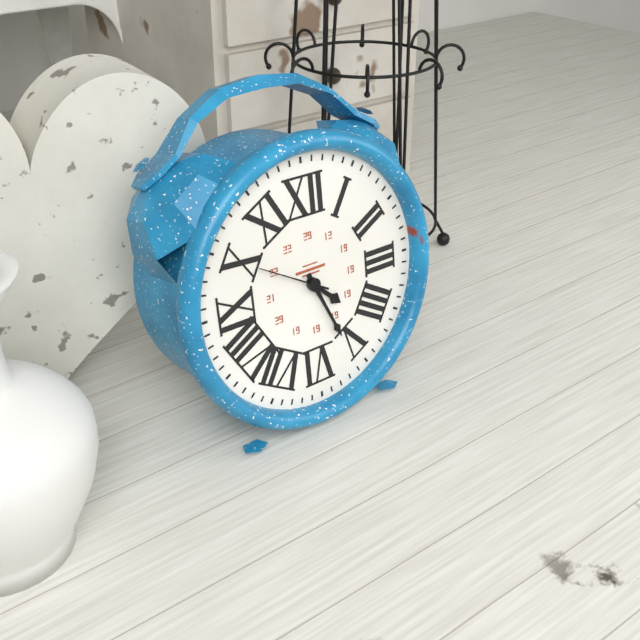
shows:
4,26,50
